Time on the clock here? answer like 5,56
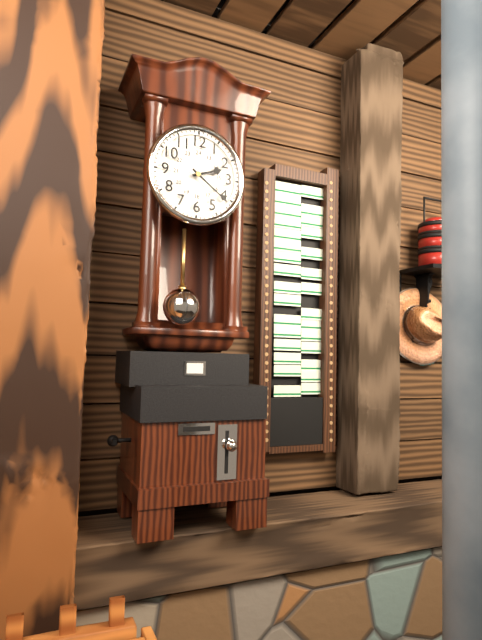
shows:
2,21
